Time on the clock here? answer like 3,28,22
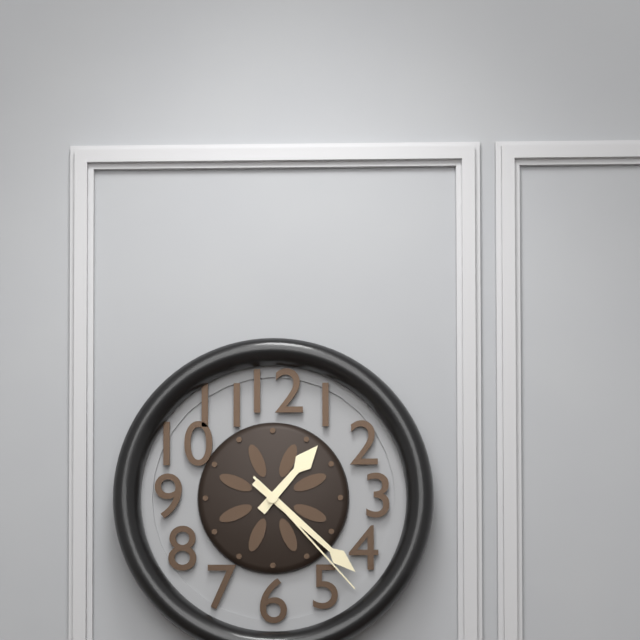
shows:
1,22,23
